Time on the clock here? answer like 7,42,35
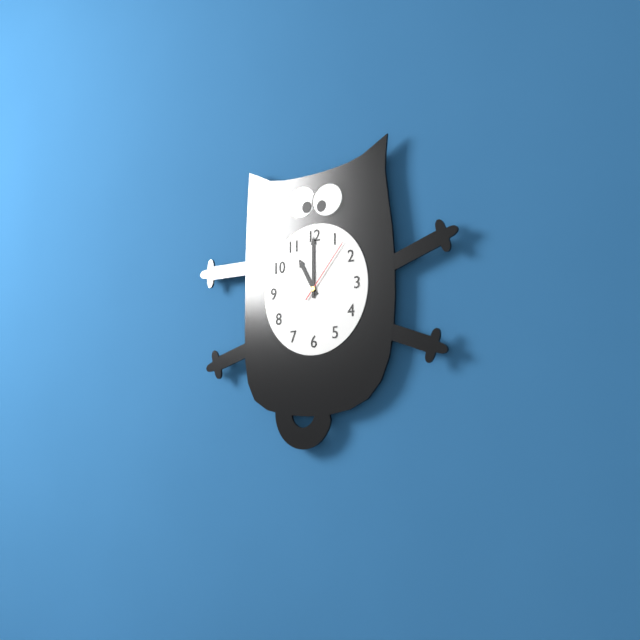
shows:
11,00,07
